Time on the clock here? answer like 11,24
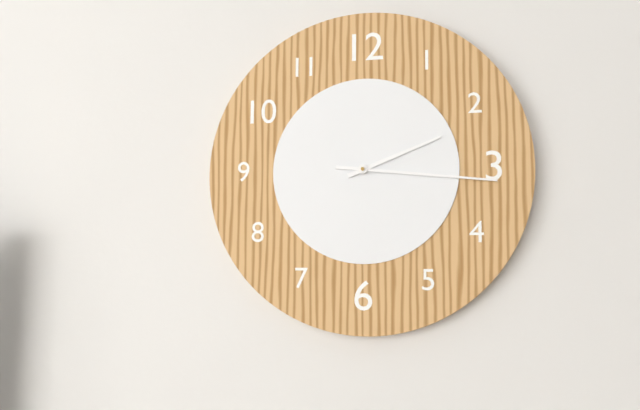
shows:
2,16
